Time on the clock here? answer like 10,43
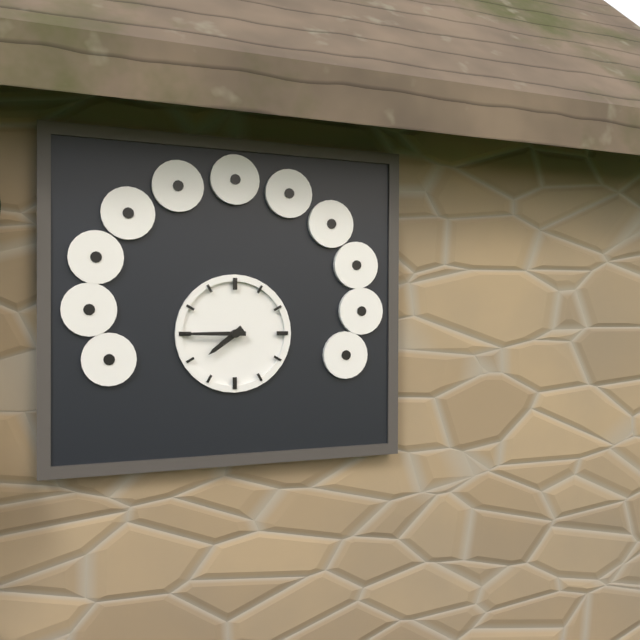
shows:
7,45
